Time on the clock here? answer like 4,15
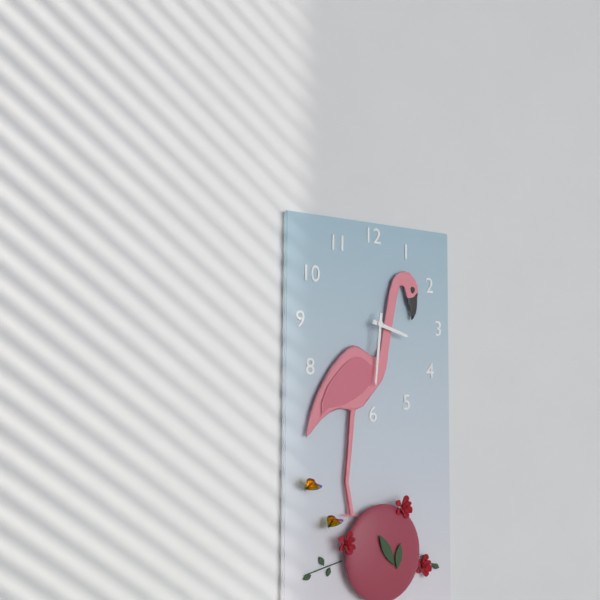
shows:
3,31
